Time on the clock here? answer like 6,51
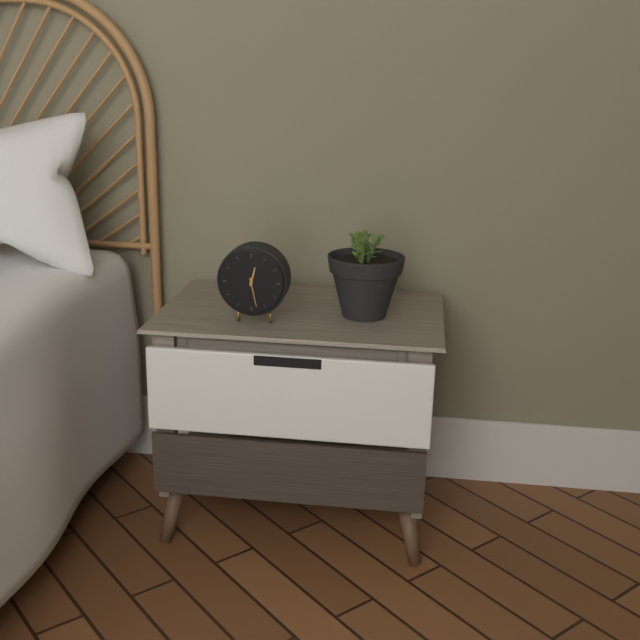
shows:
12,28
